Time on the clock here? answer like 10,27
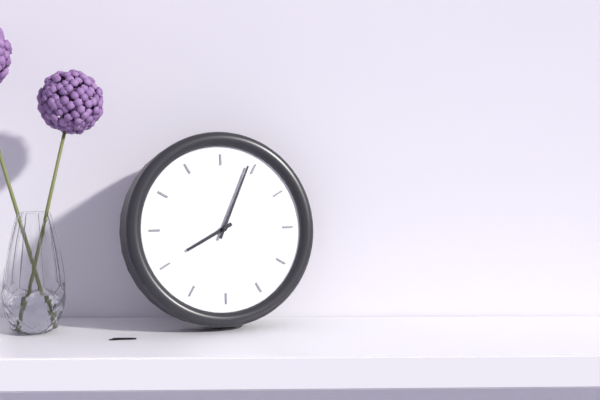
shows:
8,04
